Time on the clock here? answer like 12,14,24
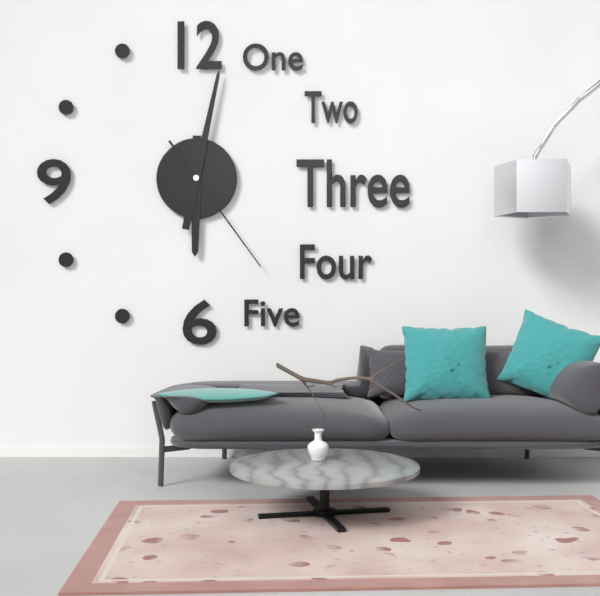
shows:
6,02,24
